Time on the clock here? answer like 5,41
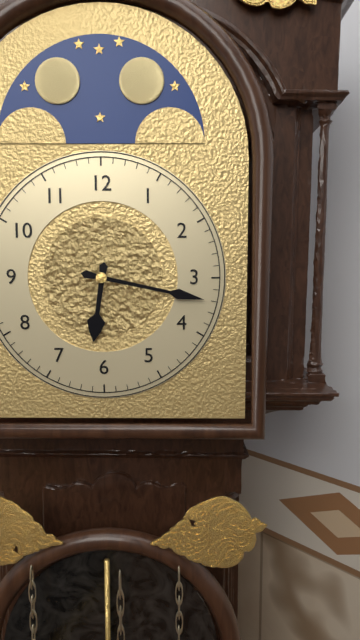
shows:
6,17
